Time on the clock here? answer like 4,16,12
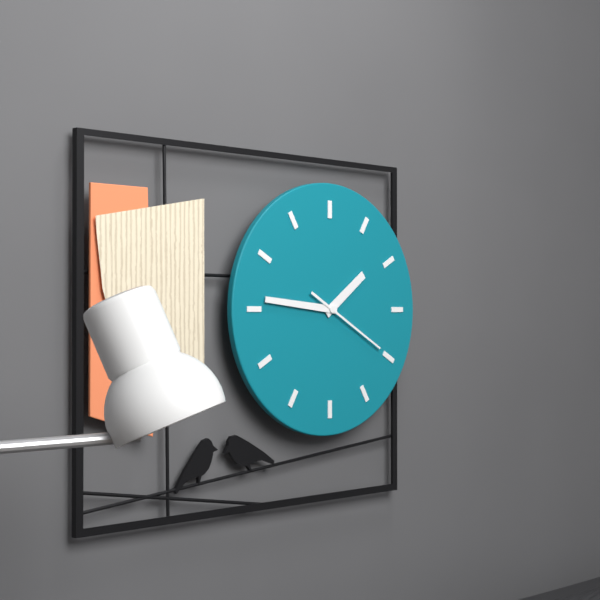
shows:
1,46,20
